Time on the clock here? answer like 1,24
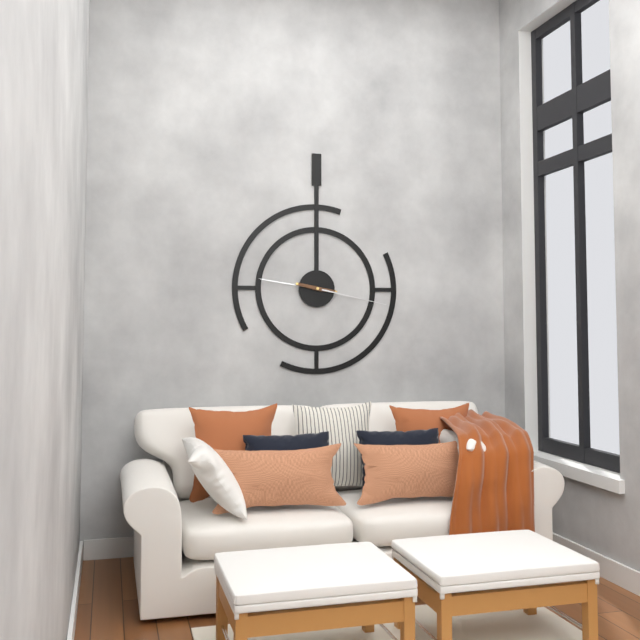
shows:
9,17
